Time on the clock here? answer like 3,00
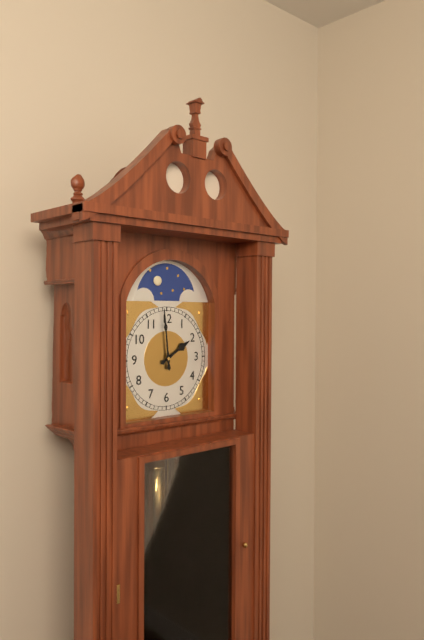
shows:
1,59
